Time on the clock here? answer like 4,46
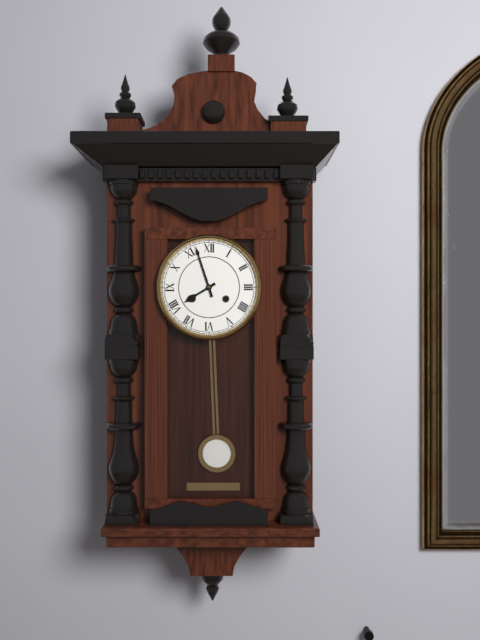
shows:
7,57
